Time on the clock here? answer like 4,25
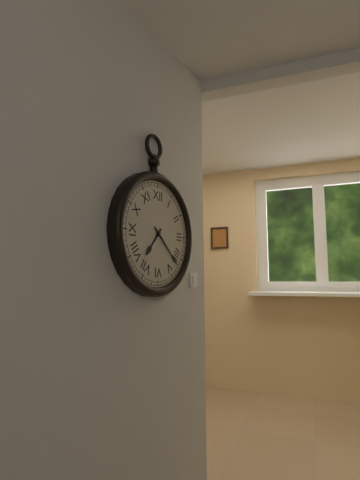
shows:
7,22
